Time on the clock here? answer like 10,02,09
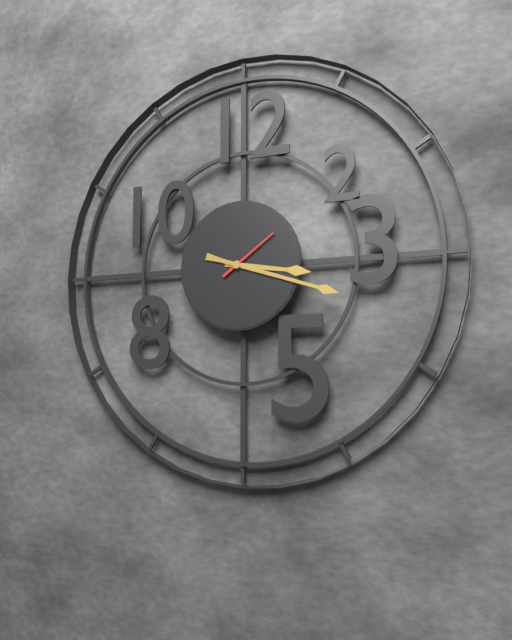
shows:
3,18,09
